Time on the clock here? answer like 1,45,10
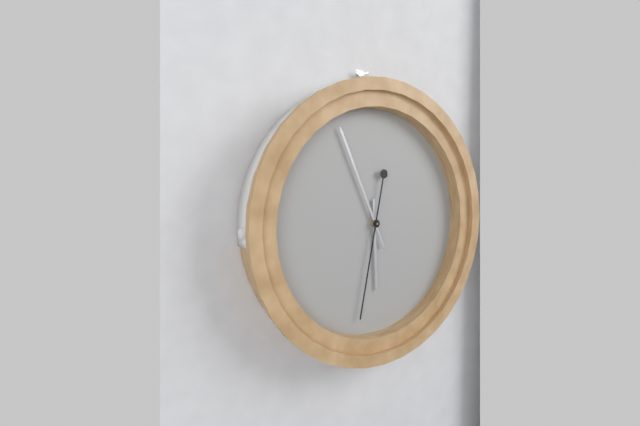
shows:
5,56,32
